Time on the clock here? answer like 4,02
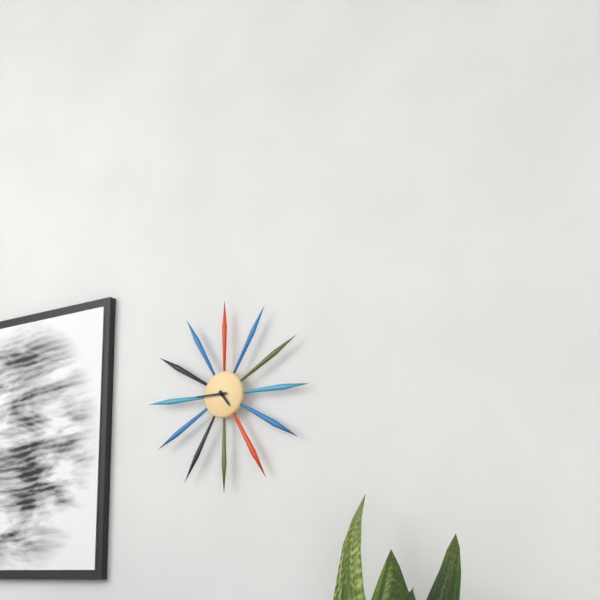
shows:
4,45
